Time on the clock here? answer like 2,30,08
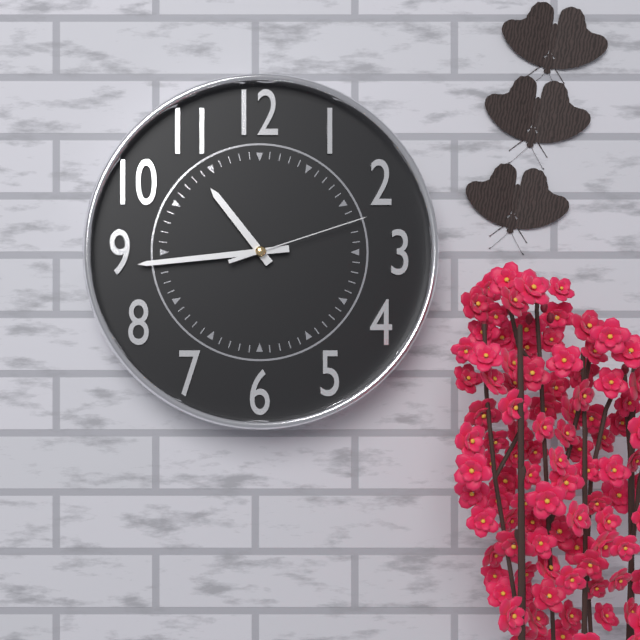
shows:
10,44,12
